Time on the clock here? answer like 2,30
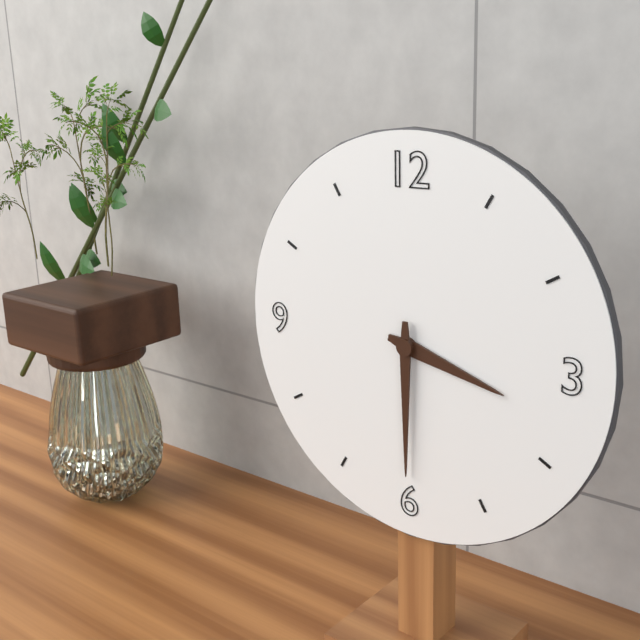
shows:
3,30
